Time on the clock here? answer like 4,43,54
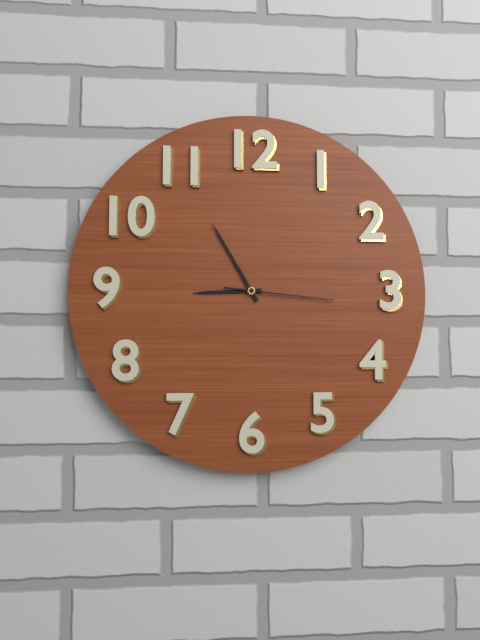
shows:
8,55,16
